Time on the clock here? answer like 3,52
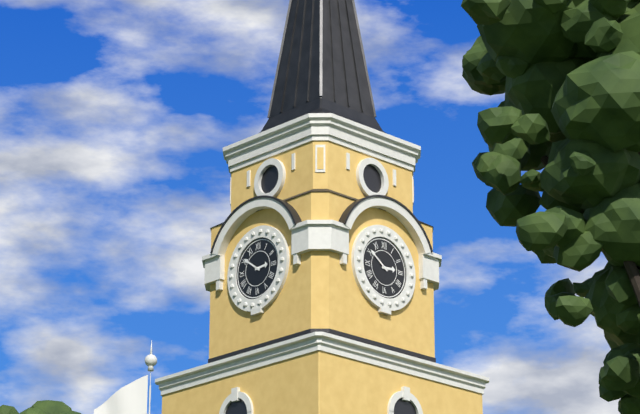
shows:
2,51
